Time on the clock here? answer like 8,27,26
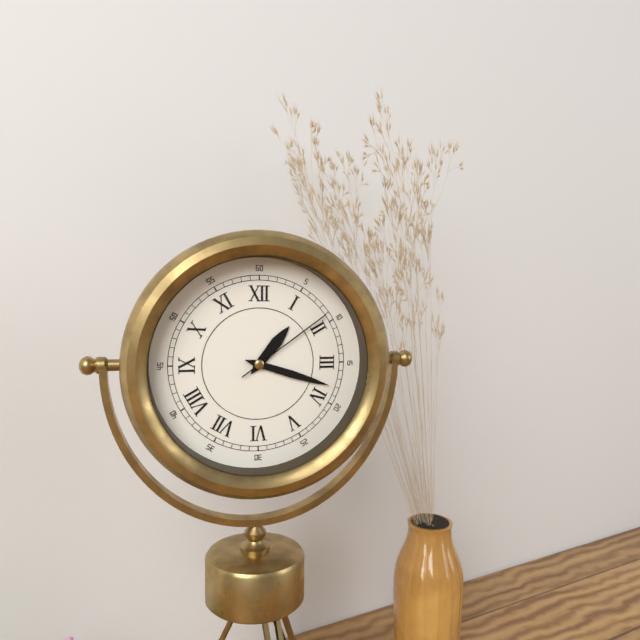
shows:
1,18,09
